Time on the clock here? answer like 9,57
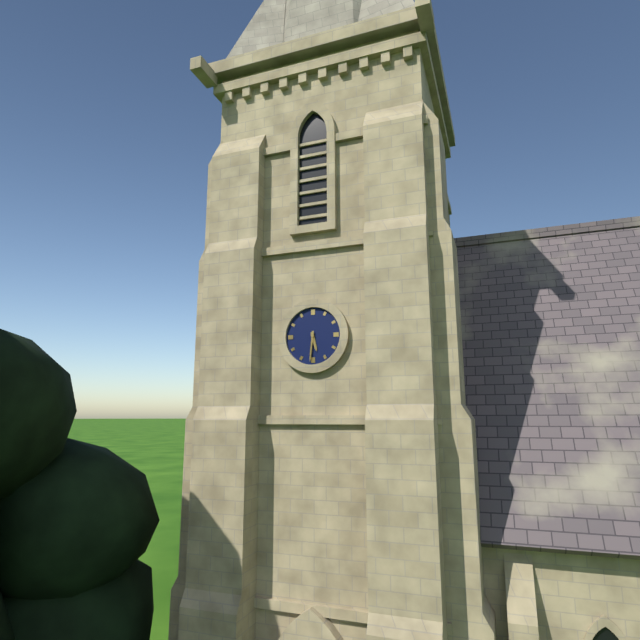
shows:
5,31
